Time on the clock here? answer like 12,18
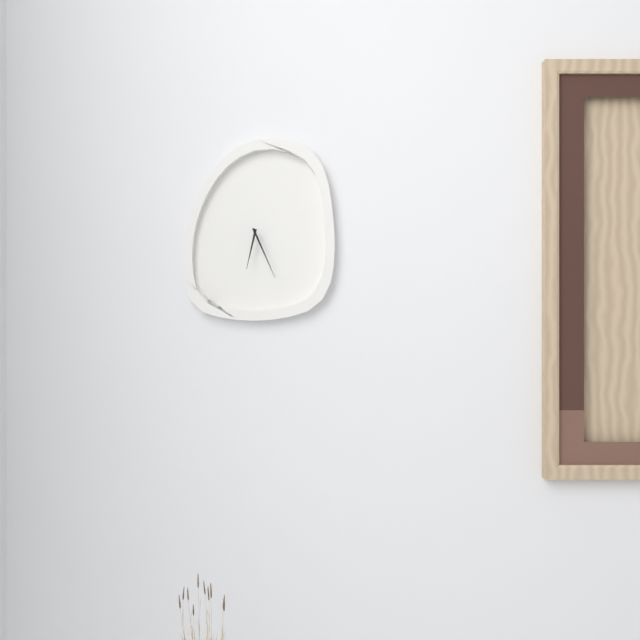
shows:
6,26
